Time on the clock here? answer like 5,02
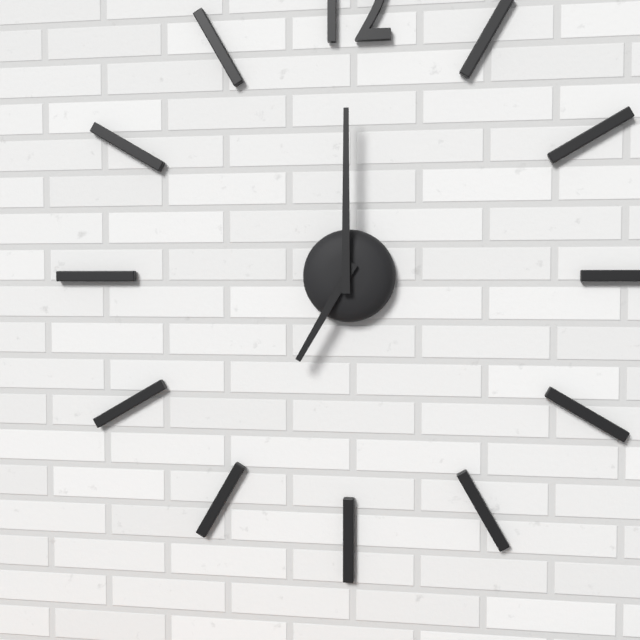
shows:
7,00
